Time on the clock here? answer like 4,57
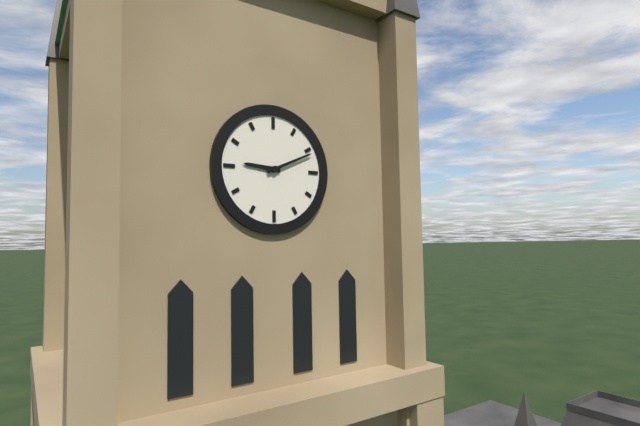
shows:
9,11
